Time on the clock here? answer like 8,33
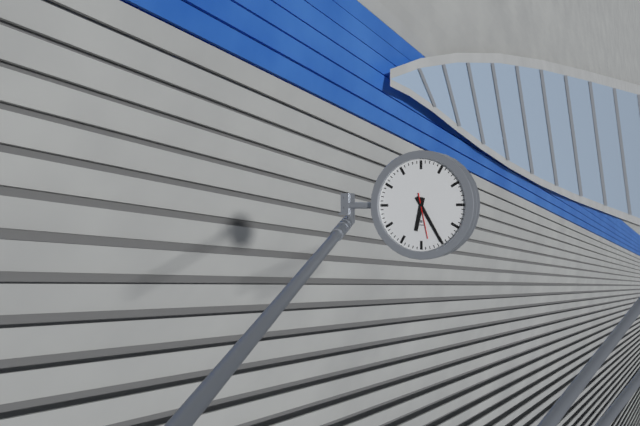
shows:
6,25
